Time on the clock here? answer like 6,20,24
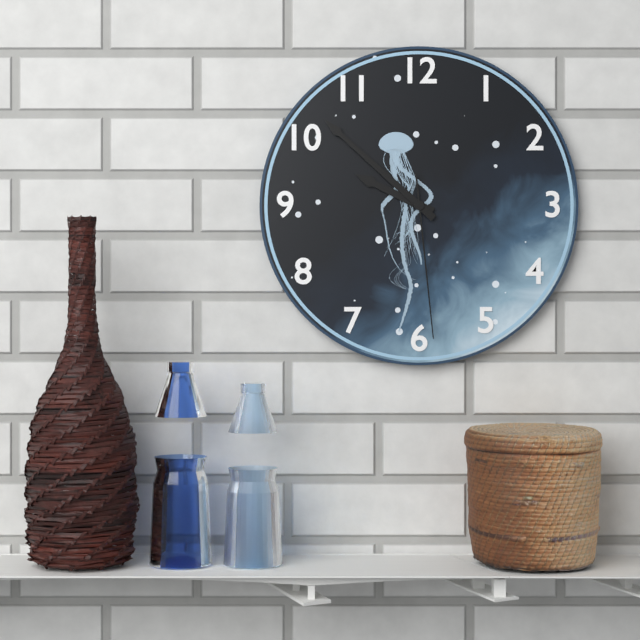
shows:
9,52,29
